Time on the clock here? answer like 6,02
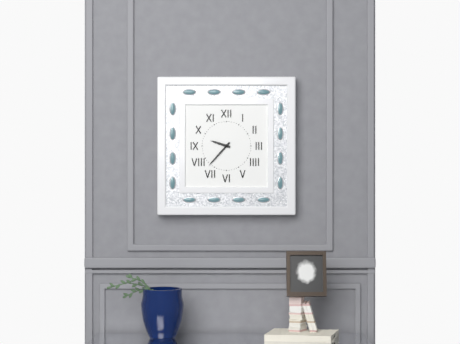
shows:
9,37
